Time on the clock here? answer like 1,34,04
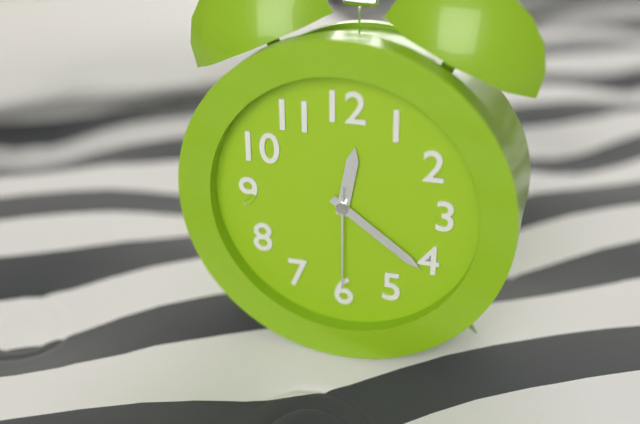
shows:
12,21,30
